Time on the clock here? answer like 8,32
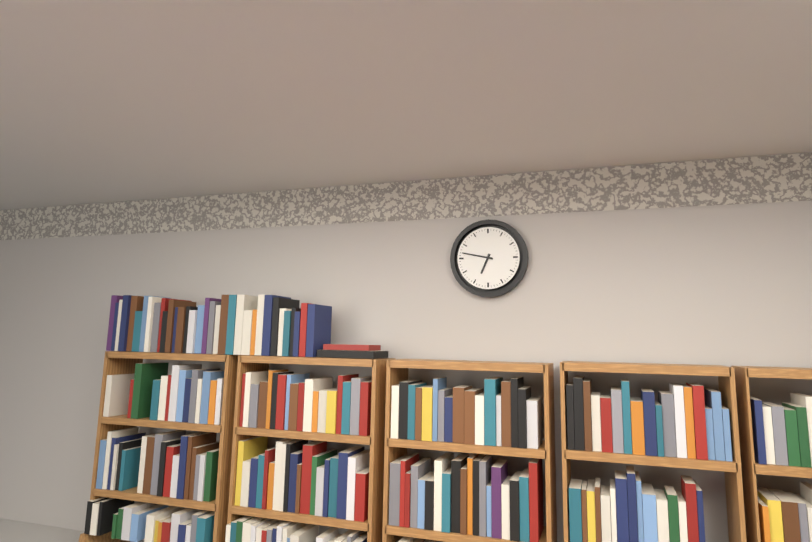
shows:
6,47
